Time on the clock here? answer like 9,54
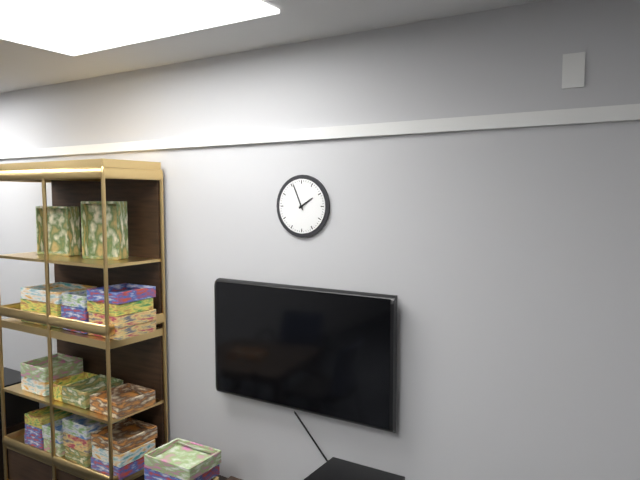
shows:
1,56
